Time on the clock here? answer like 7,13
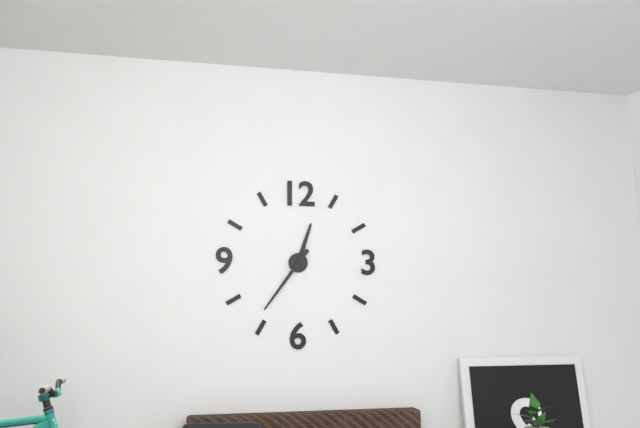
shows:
12,36
